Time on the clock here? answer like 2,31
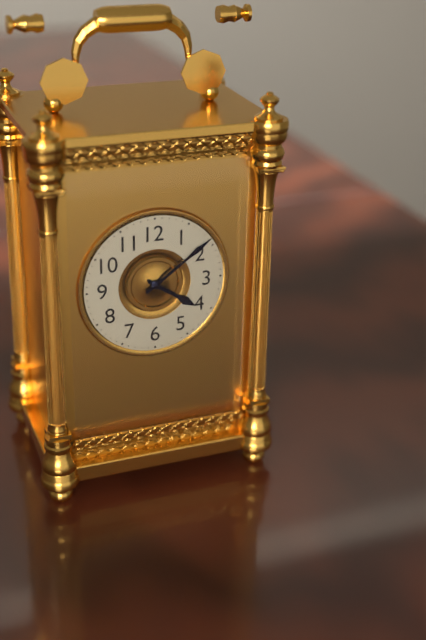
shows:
4,09
